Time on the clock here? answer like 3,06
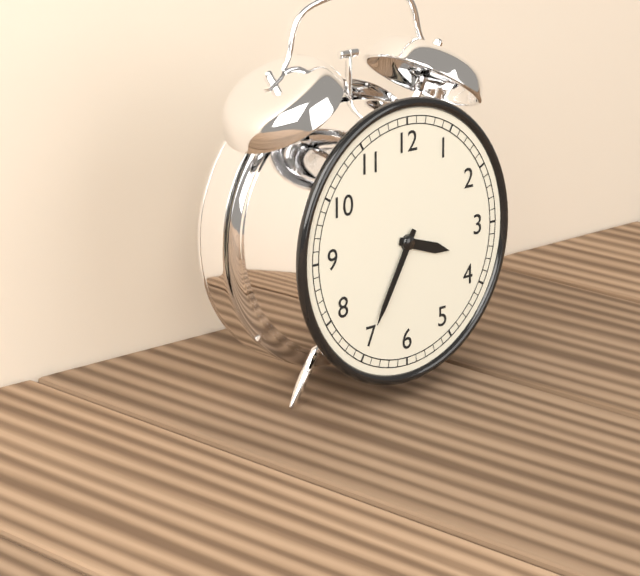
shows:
3,35
